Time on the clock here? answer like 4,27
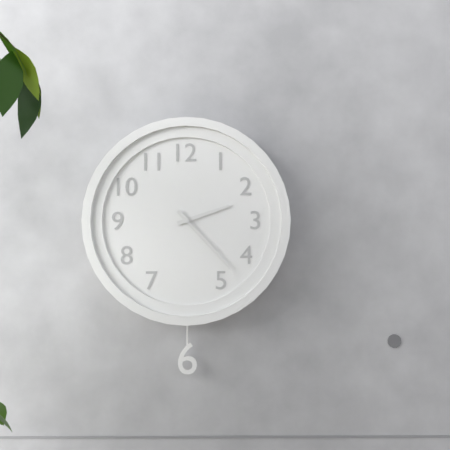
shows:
2,23
